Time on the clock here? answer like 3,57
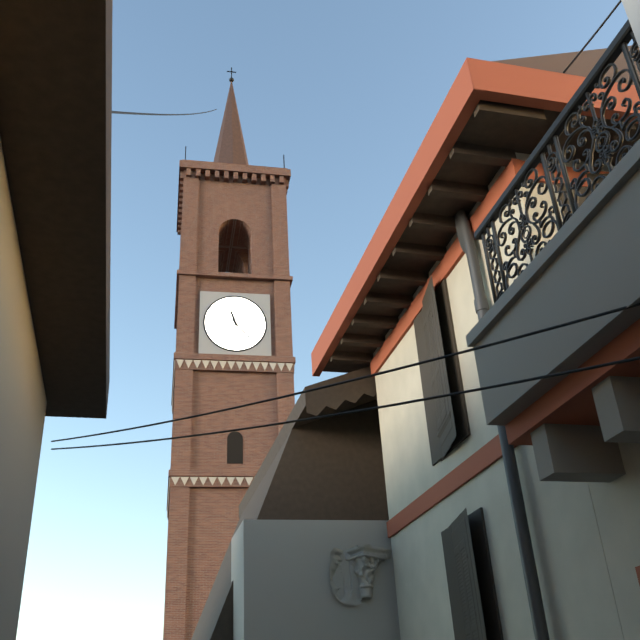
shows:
11,23
